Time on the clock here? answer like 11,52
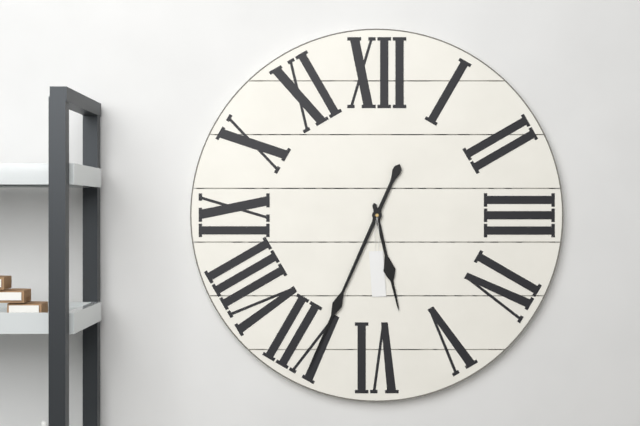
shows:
5,34
